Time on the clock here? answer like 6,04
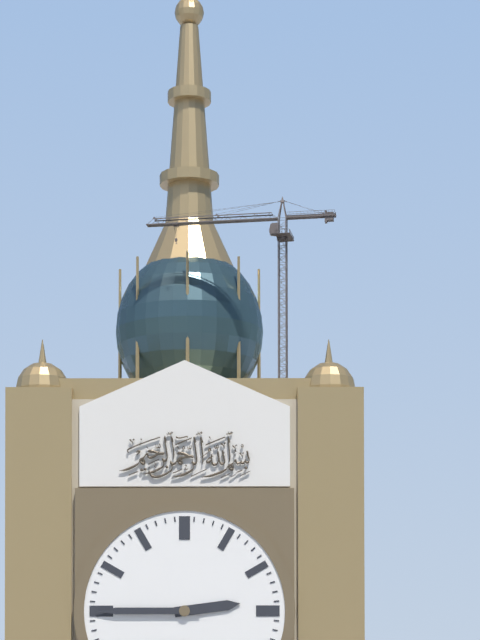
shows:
2,45
